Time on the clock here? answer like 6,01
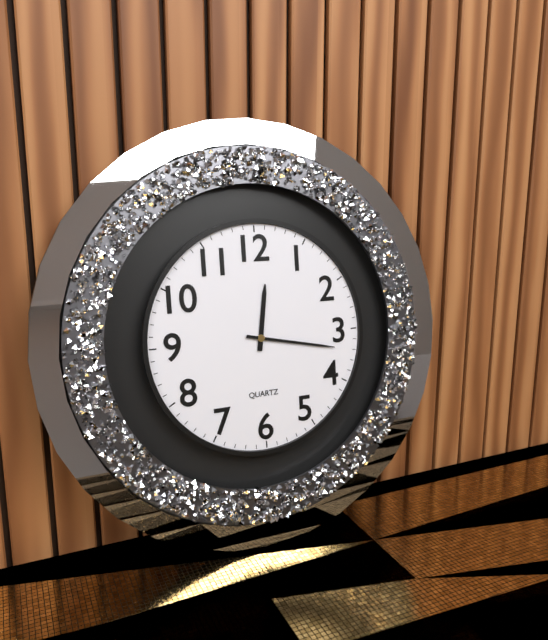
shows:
12,17
